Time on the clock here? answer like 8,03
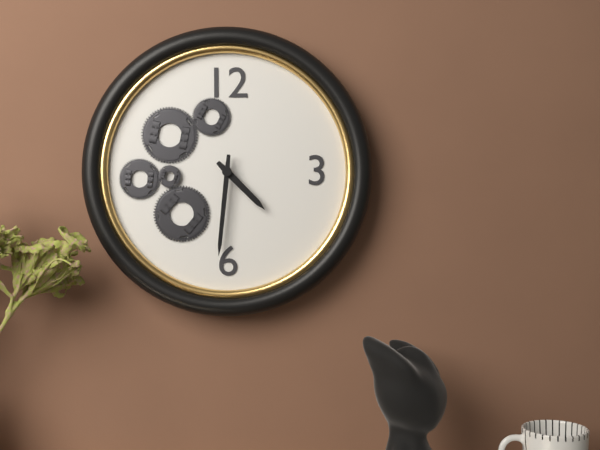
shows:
4,31
